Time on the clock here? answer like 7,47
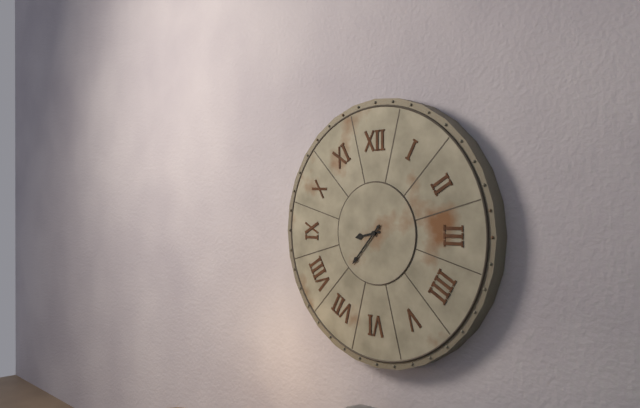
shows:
8,37
